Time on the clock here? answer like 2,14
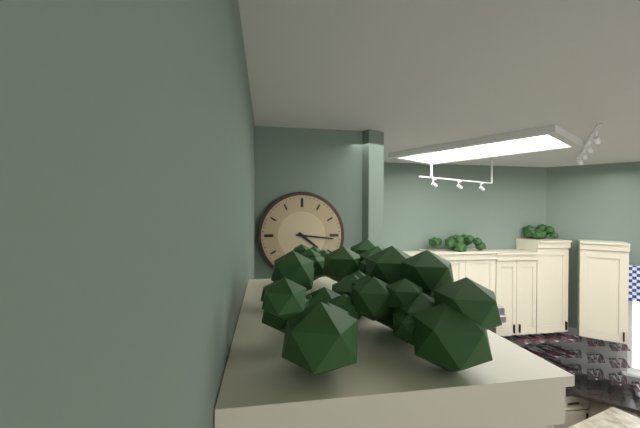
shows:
4,16
